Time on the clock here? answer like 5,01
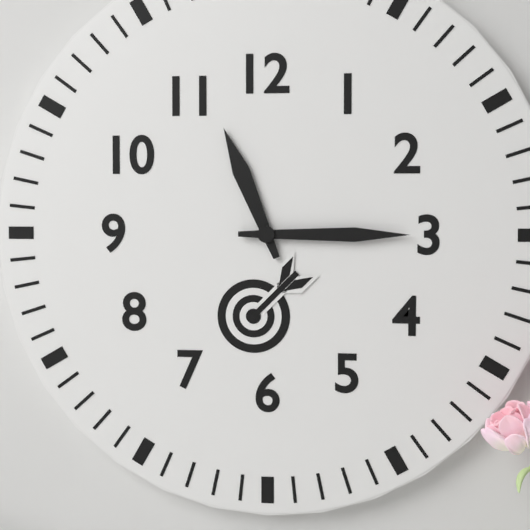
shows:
11,15
